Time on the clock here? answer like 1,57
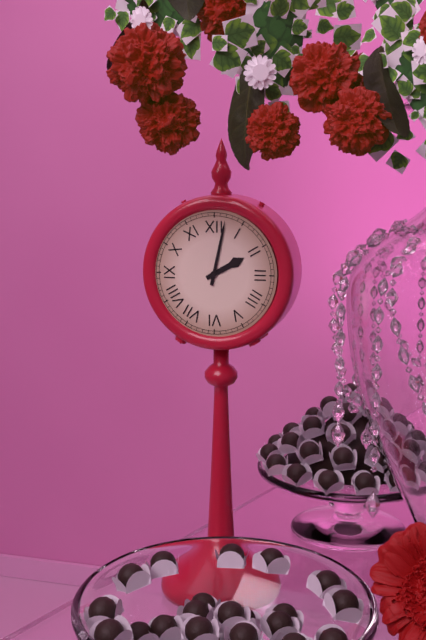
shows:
2,02
